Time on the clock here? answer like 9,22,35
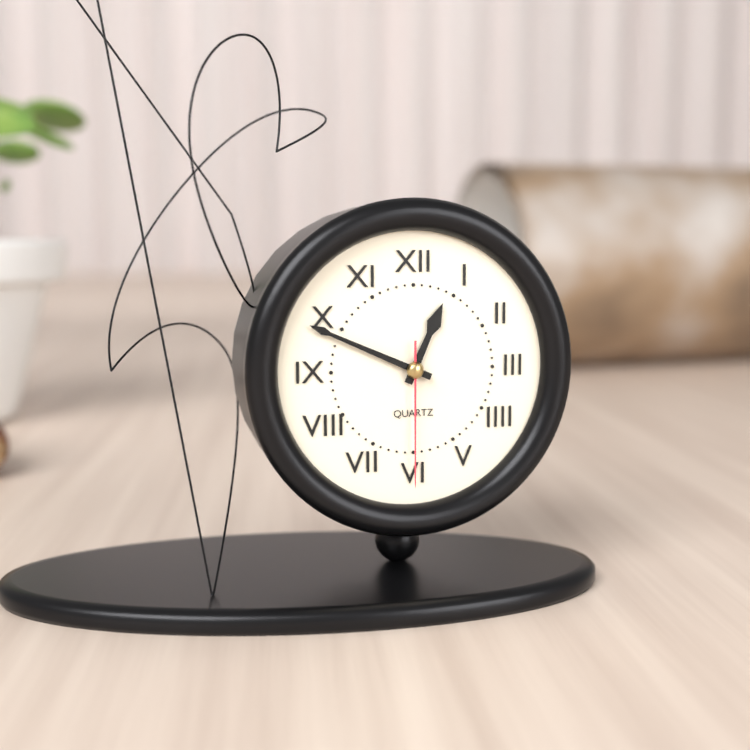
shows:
12,49,30
